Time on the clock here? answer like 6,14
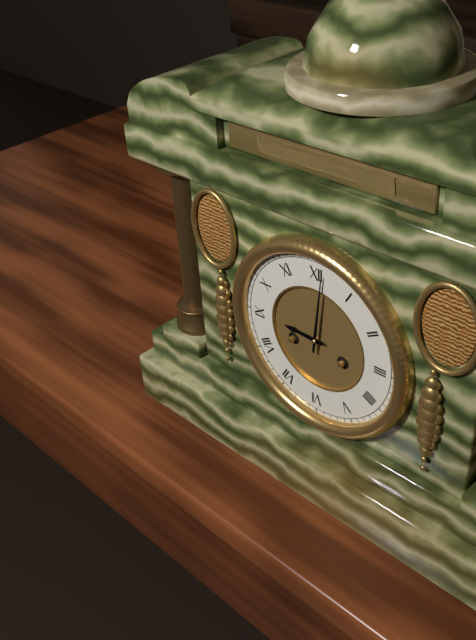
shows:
9,01
